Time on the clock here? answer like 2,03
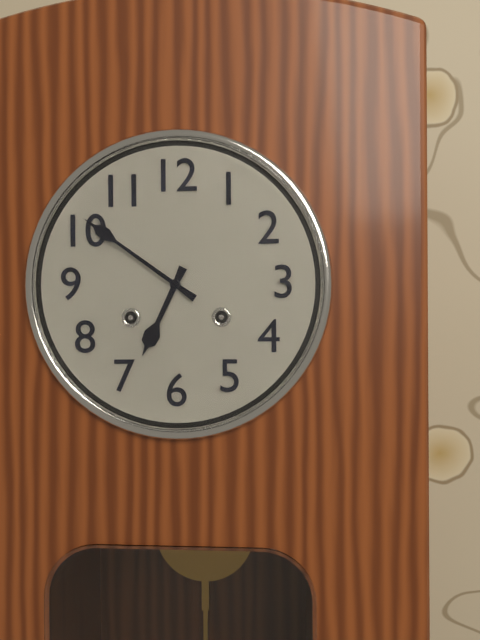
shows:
6,51
